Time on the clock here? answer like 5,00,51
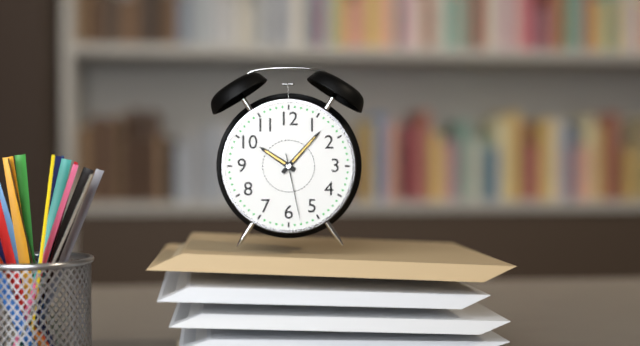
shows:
10,07,28
